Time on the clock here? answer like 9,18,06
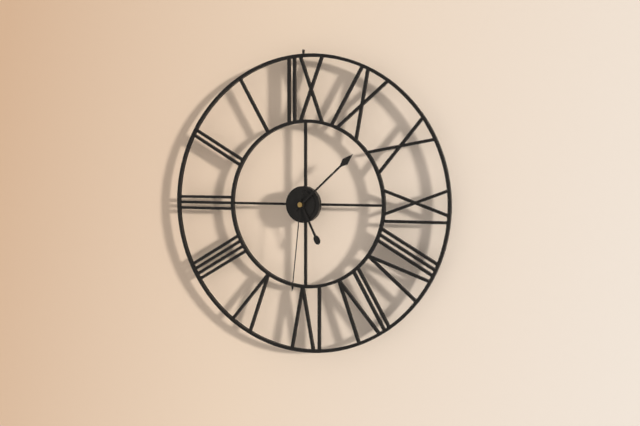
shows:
5,08,31
